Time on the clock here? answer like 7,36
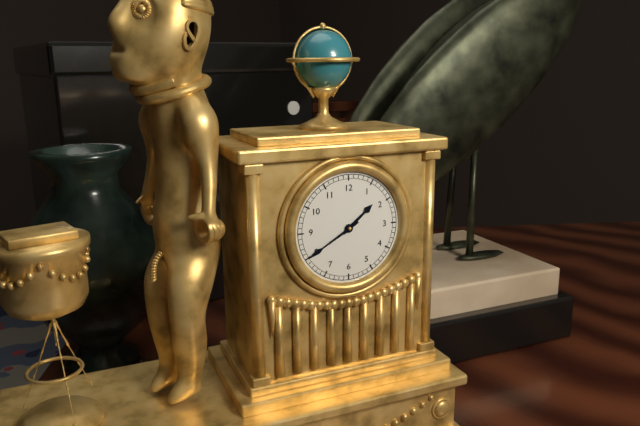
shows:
1,40
